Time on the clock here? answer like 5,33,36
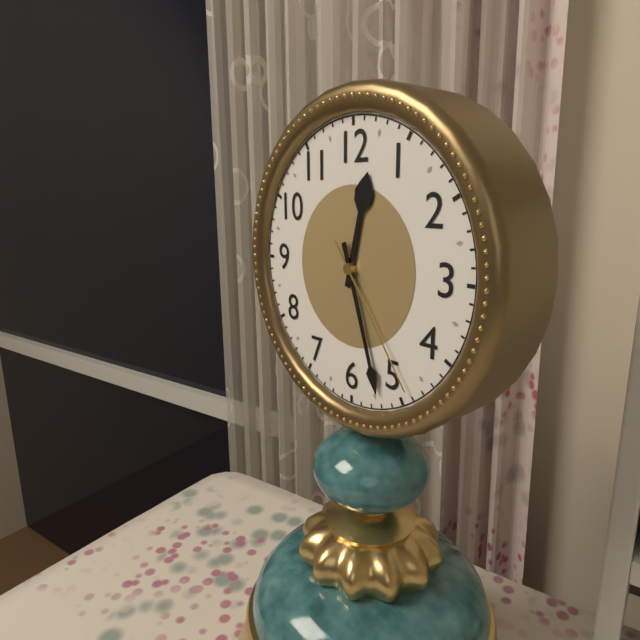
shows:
12,27,24
